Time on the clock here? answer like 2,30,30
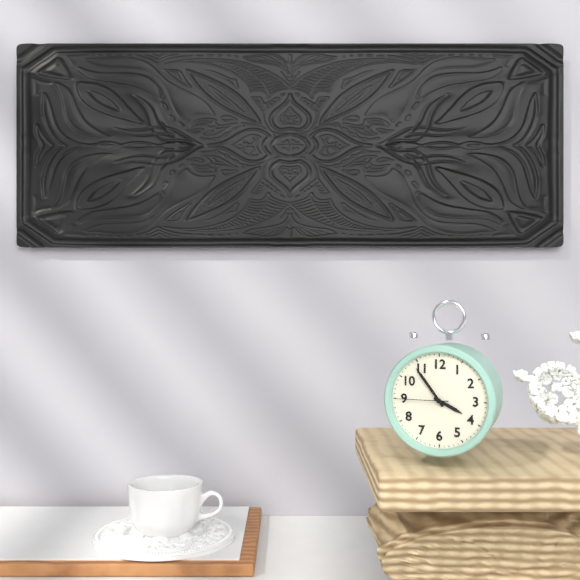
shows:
3,54,45
